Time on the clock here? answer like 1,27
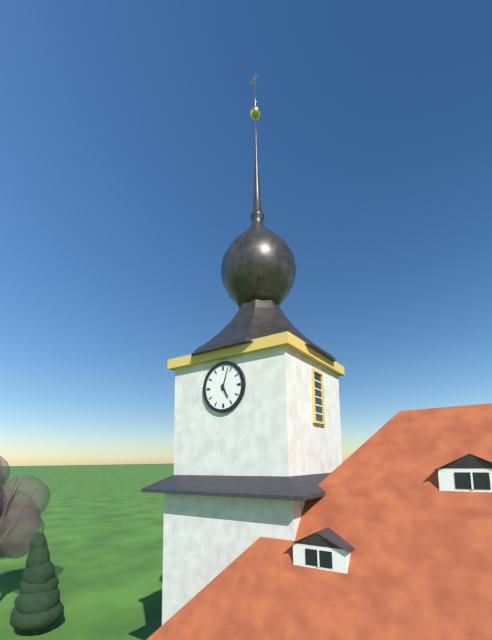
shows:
5,03
